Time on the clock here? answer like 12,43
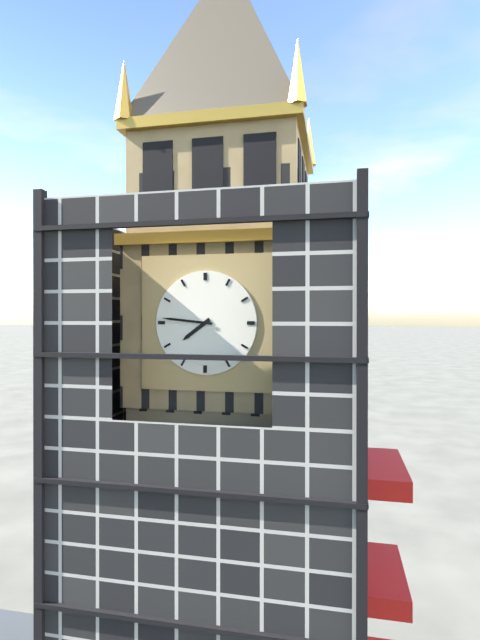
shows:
7,46
